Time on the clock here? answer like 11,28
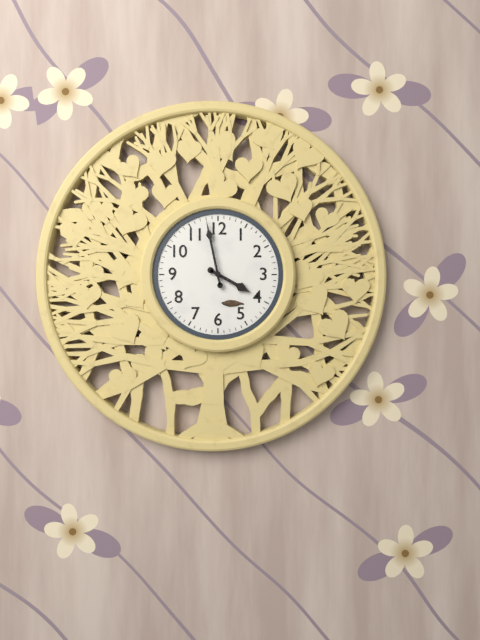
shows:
3,58
